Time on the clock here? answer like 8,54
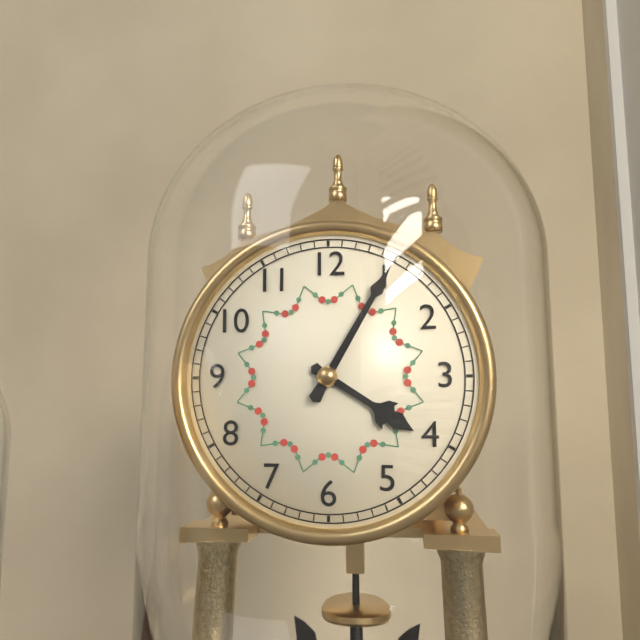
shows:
4,05
